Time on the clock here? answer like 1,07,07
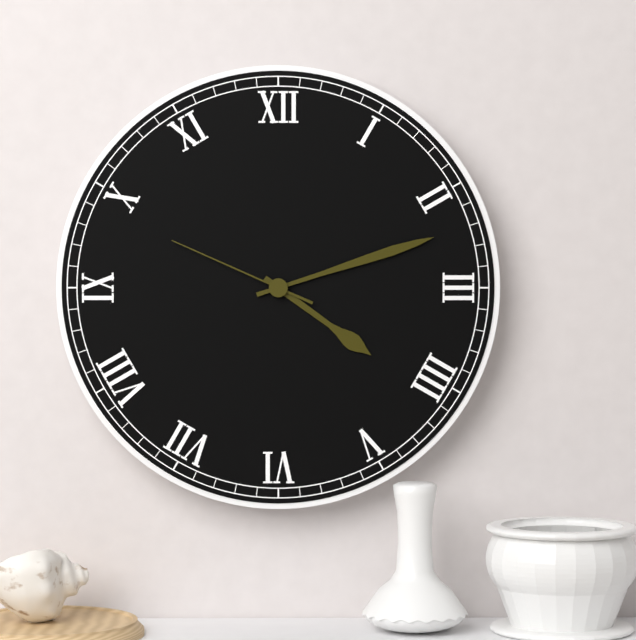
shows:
4,12,49
